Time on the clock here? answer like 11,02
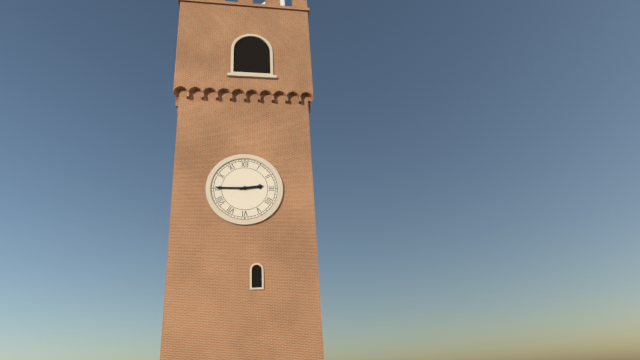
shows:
2,45
